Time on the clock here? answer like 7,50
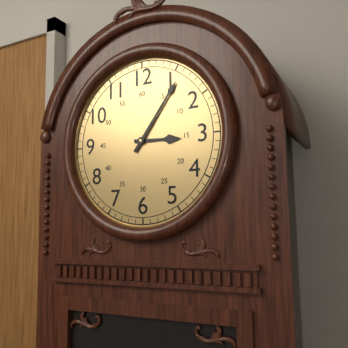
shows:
3,06
